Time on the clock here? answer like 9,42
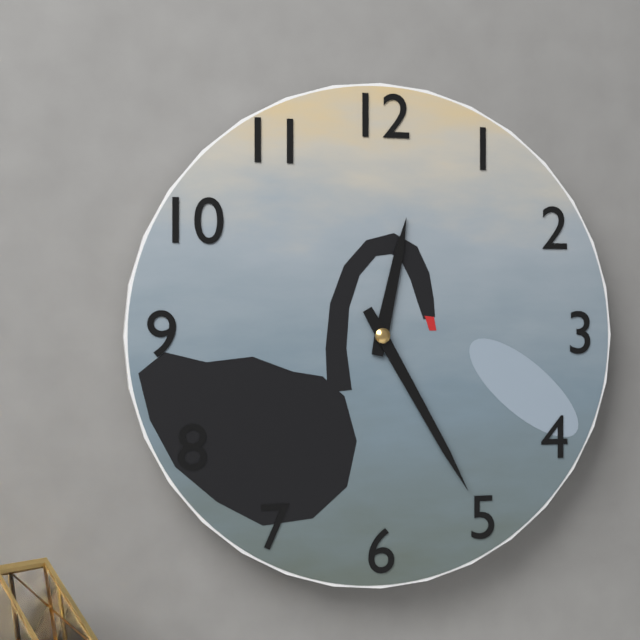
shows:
12,25
